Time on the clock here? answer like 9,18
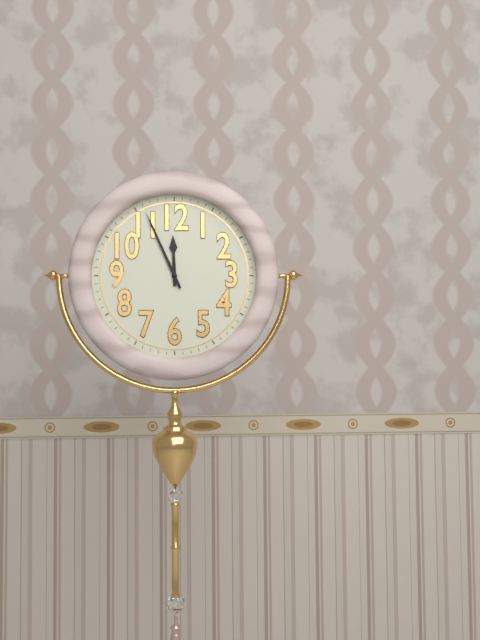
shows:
11,56
